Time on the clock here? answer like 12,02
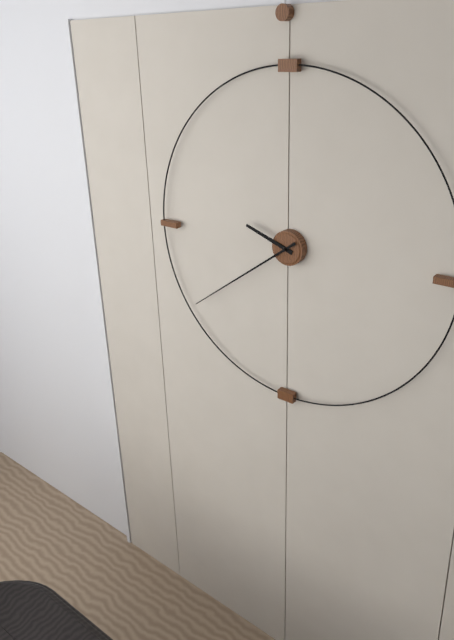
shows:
9,39
